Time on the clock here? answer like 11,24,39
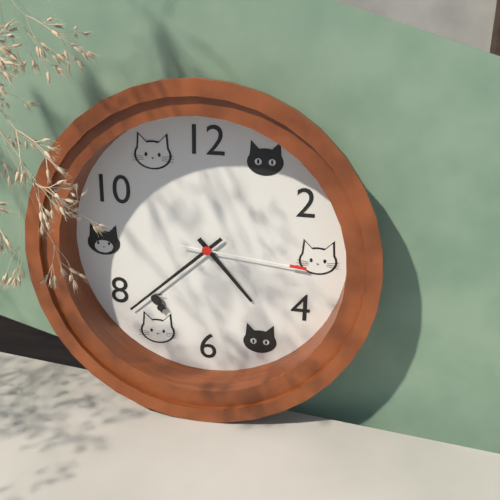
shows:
4,38,16
